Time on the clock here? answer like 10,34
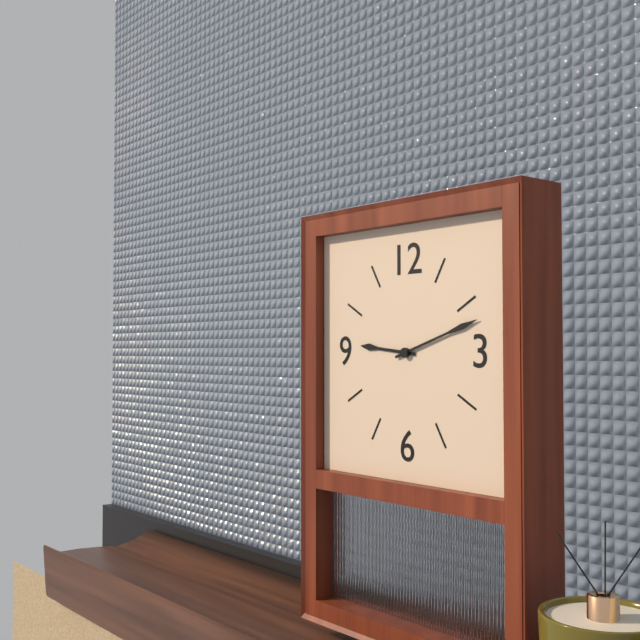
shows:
9,12
